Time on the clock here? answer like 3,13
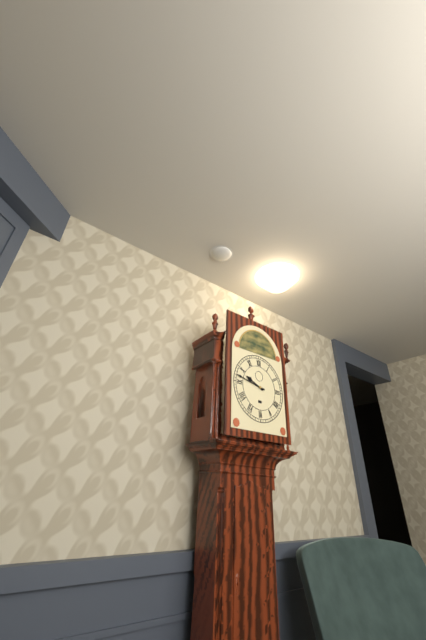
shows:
9,47
